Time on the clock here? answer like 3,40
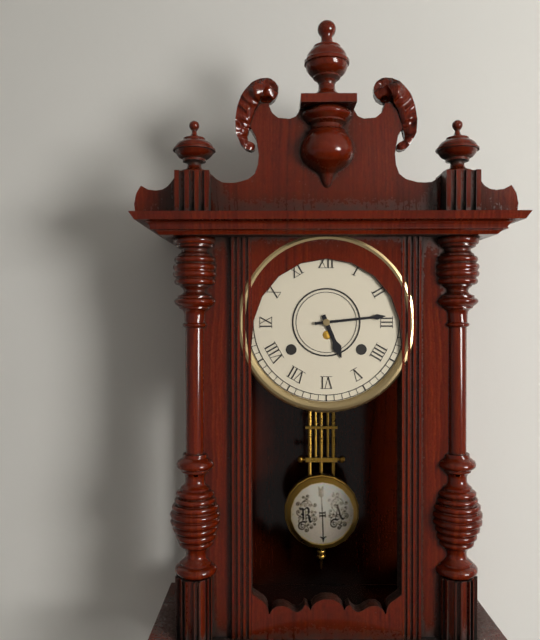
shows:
5,14
